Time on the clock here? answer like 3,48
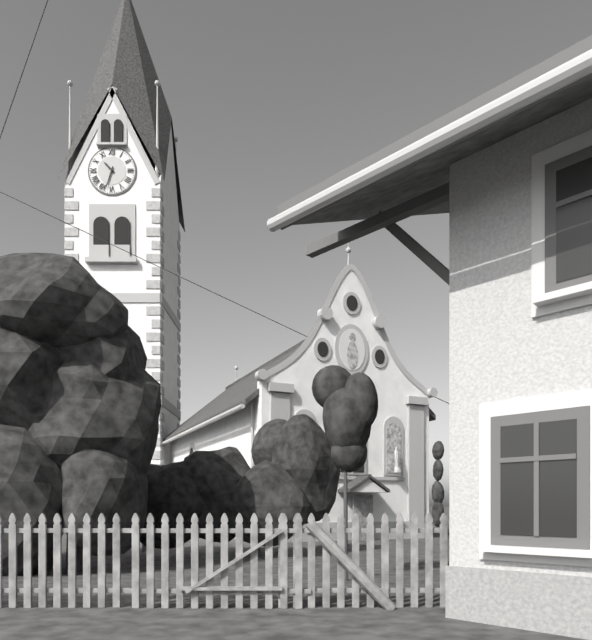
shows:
10,33
